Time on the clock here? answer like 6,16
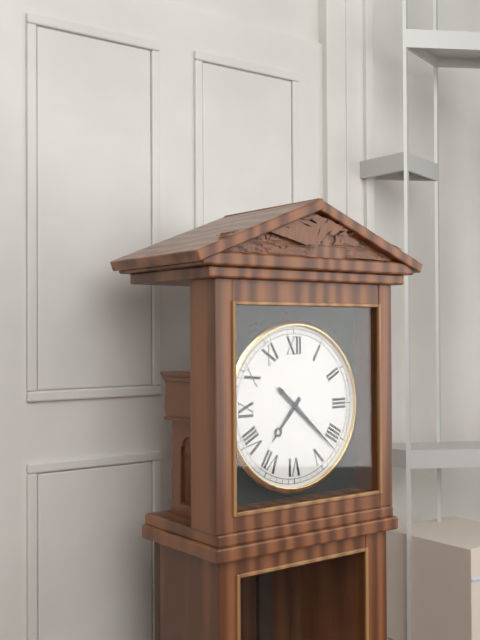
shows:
7,22
